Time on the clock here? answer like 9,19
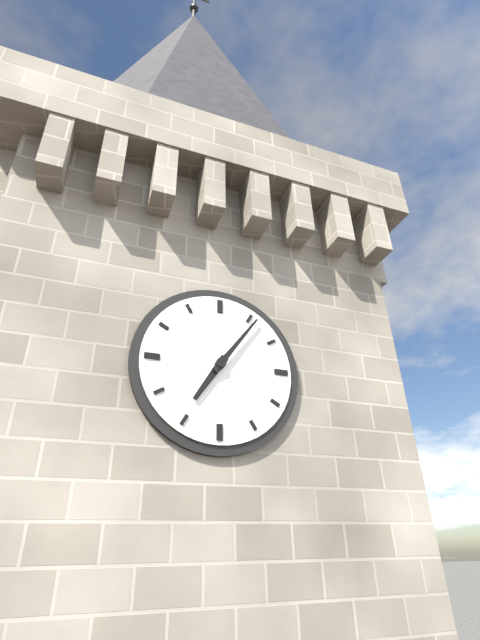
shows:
7,06
